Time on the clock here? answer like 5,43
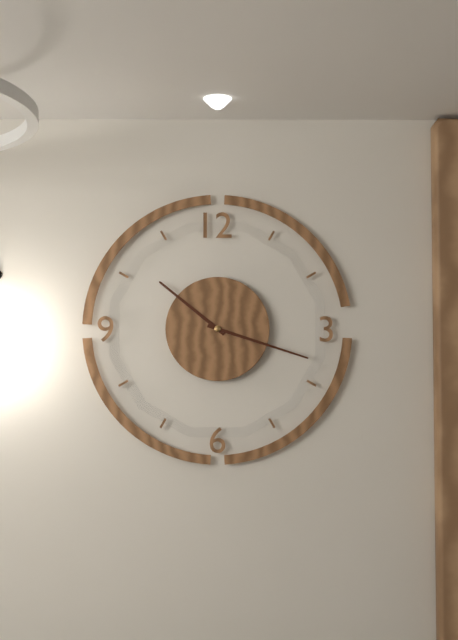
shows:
10,18
